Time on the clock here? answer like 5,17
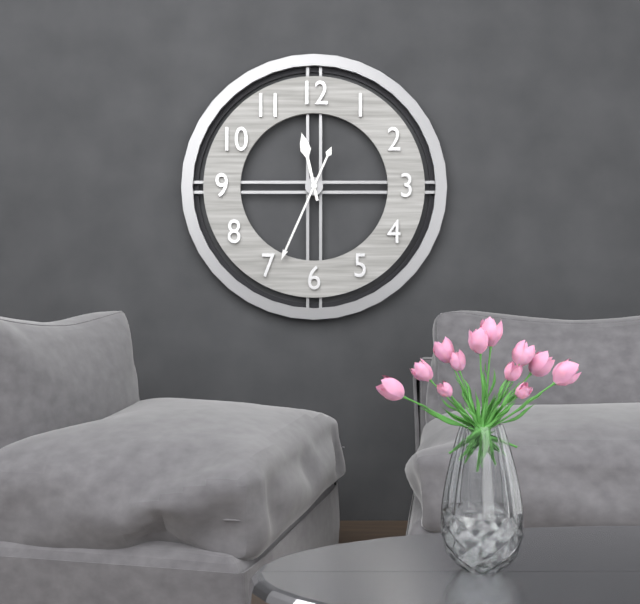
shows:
11,34
